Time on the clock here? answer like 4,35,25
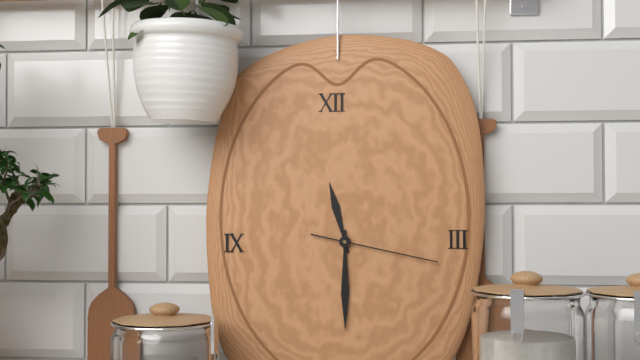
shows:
11,30,17
